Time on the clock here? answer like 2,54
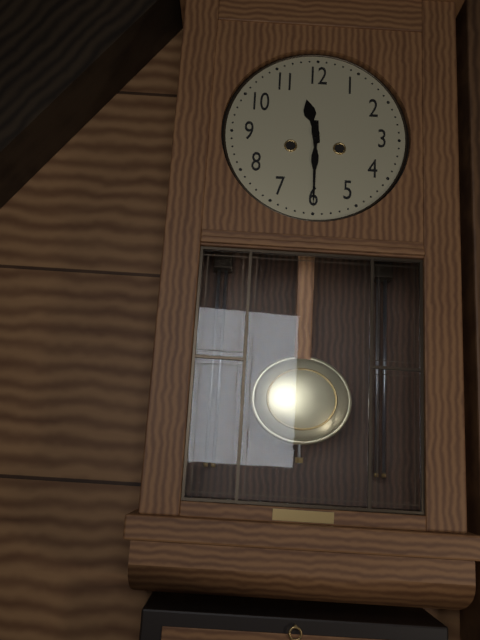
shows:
11,30
